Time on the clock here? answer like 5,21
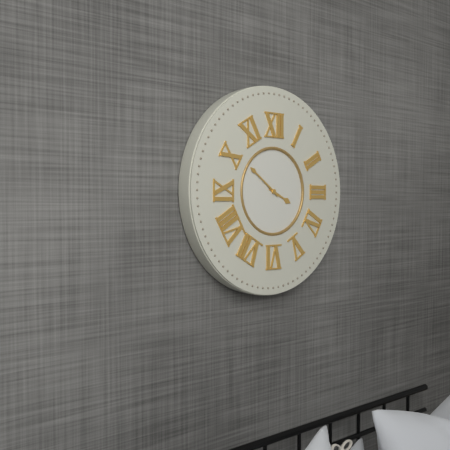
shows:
3,51
